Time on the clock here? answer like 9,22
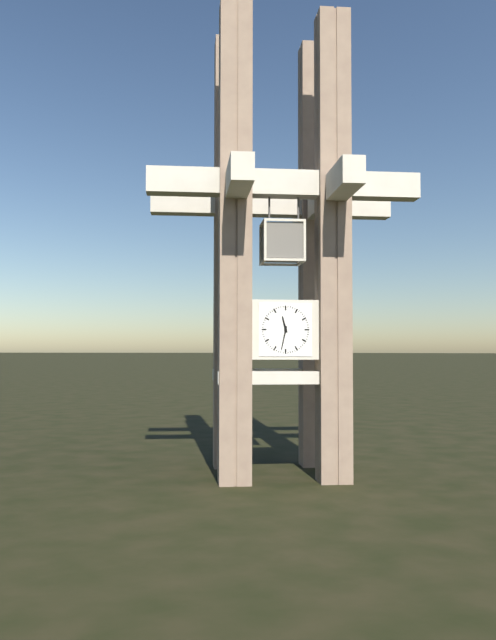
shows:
11,32
